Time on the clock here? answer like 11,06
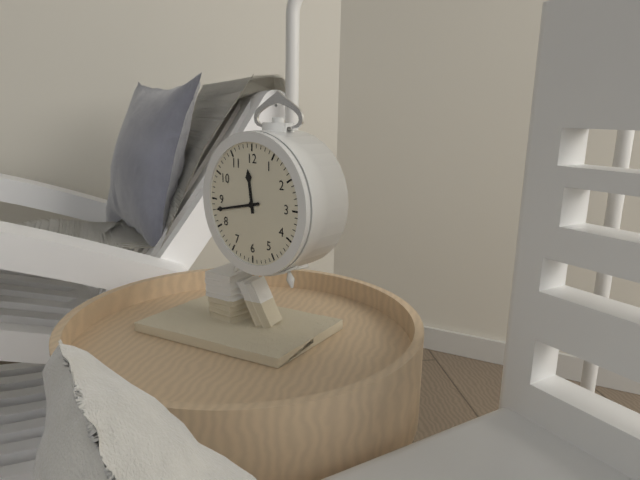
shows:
11,43
